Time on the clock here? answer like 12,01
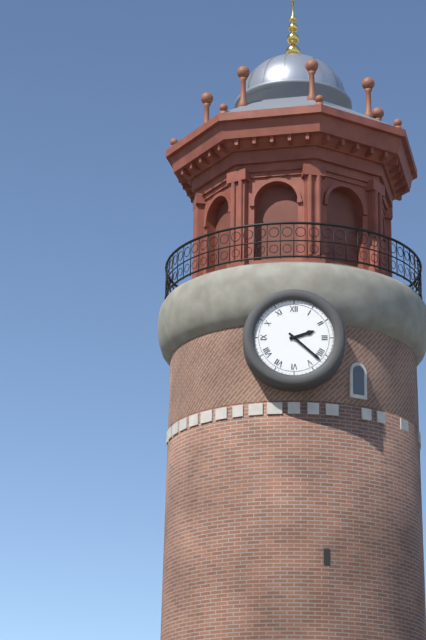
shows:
2,22
